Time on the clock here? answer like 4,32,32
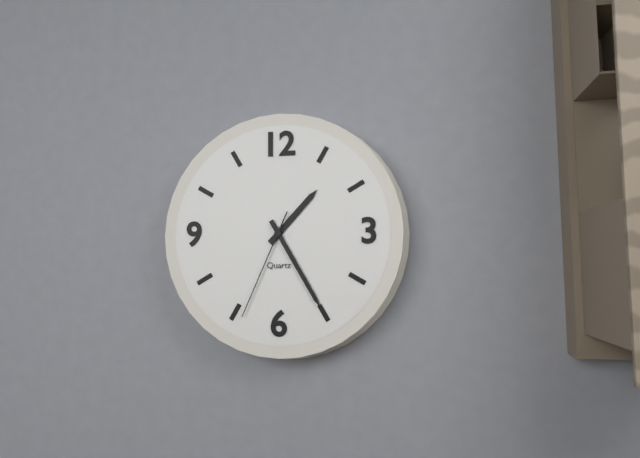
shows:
1,25,34
